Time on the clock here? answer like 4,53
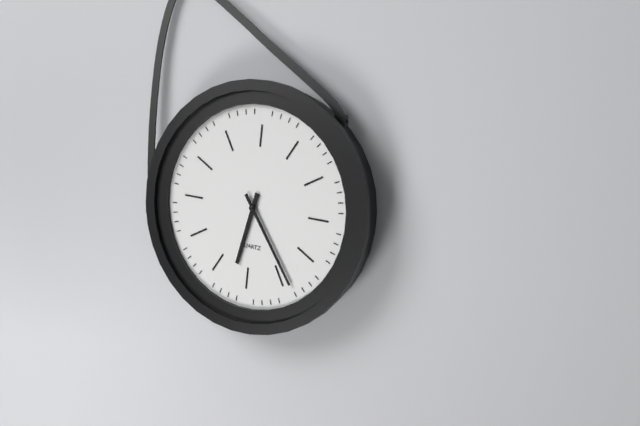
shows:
6,24
